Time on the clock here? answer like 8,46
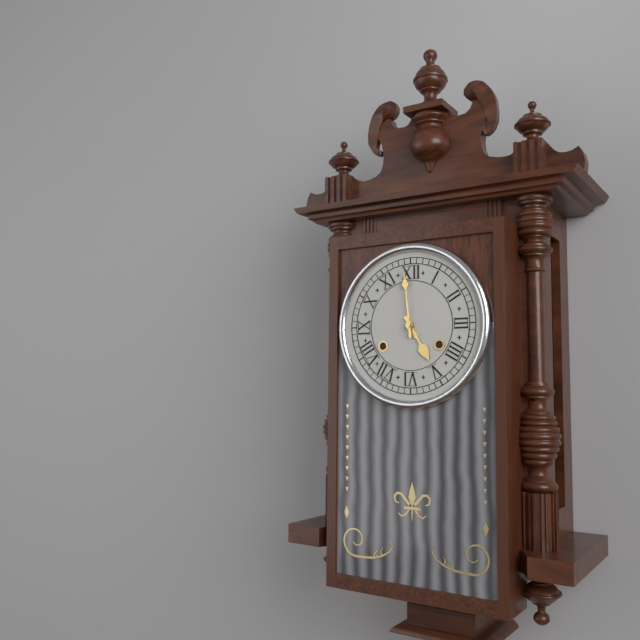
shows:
4,59
